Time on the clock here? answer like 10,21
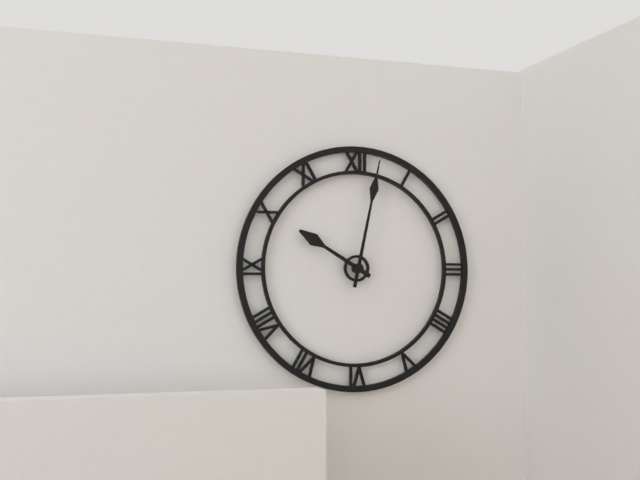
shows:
10,02
